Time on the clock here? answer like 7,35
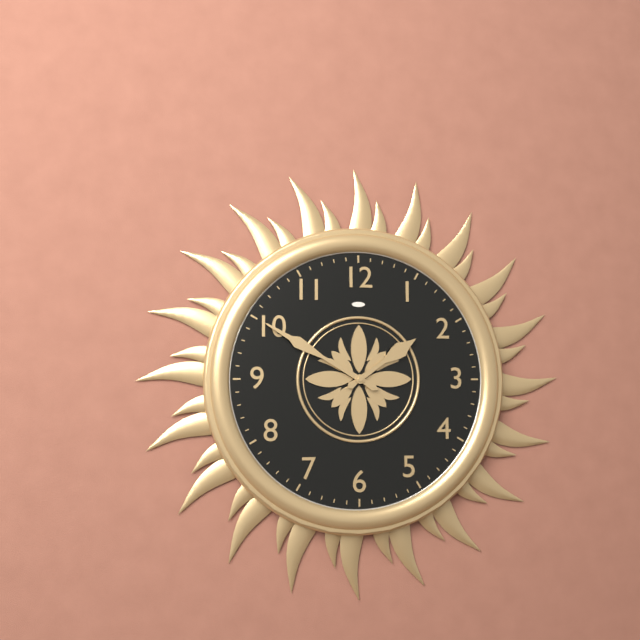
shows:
1,50
